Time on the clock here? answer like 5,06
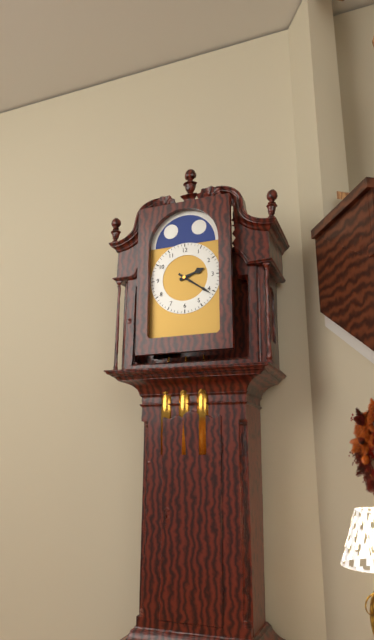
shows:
2,21
